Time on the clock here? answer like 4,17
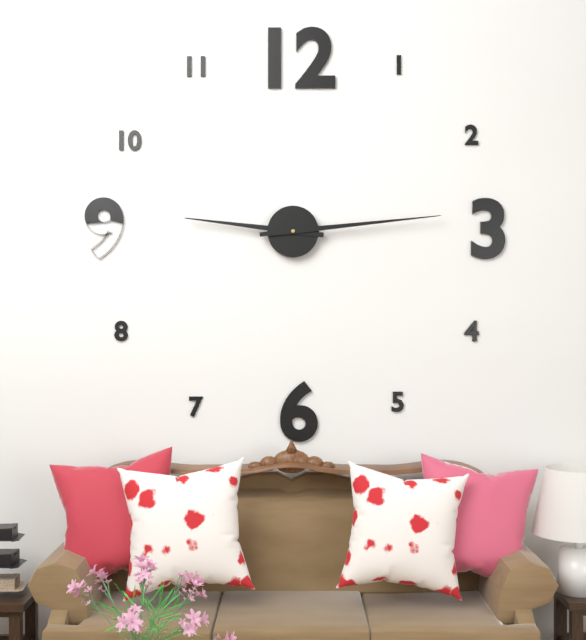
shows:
9,14
